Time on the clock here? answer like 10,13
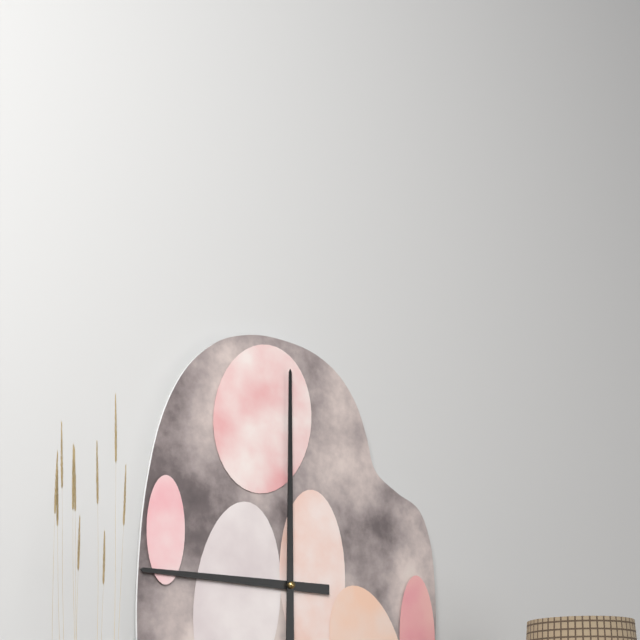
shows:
9,00
